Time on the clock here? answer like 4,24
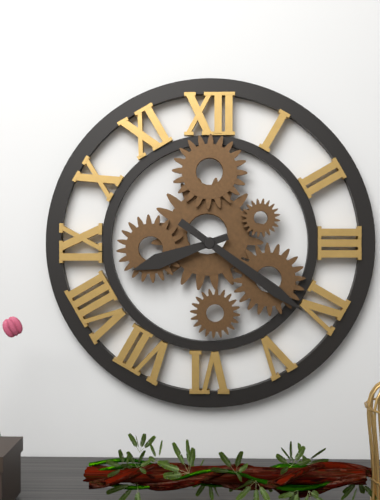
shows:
8,21
